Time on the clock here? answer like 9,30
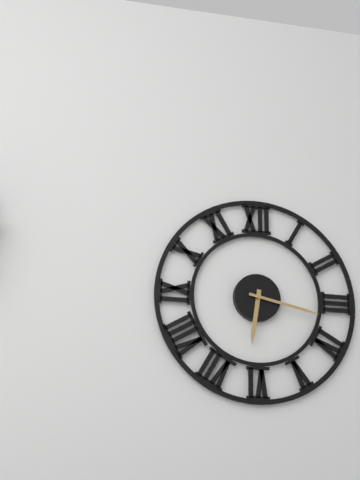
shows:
6,17
